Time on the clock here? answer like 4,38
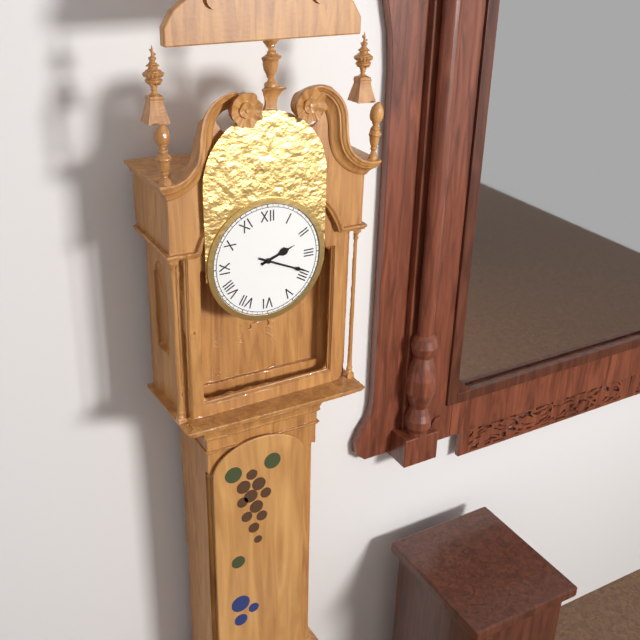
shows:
2,19
